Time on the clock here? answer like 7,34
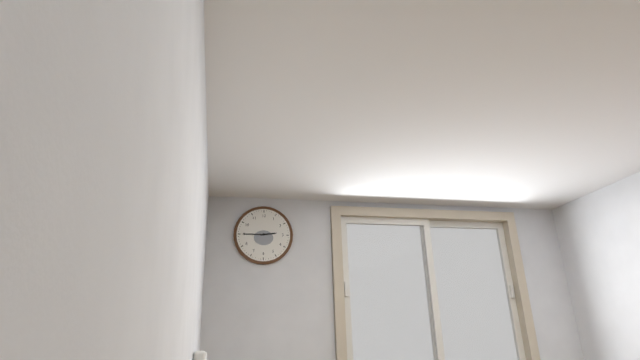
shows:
2,45
